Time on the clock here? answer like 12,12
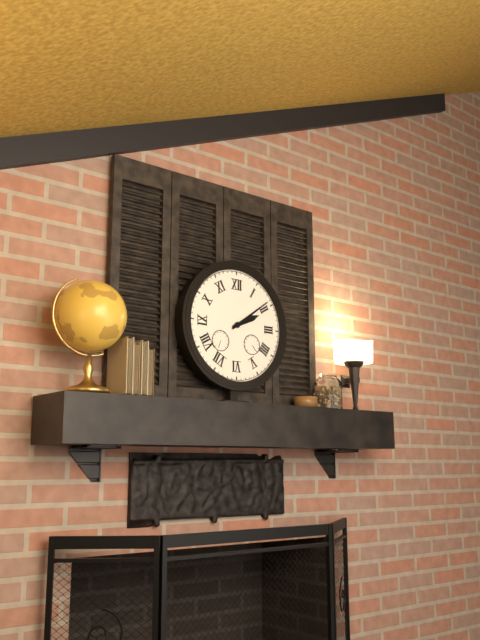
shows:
2,09
